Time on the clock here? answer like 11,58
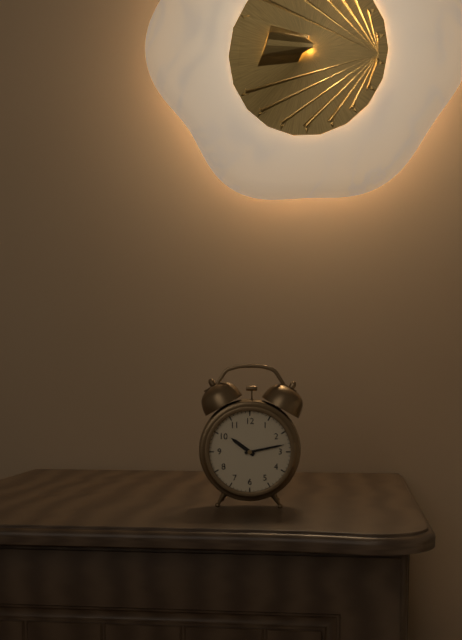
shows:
10,13
